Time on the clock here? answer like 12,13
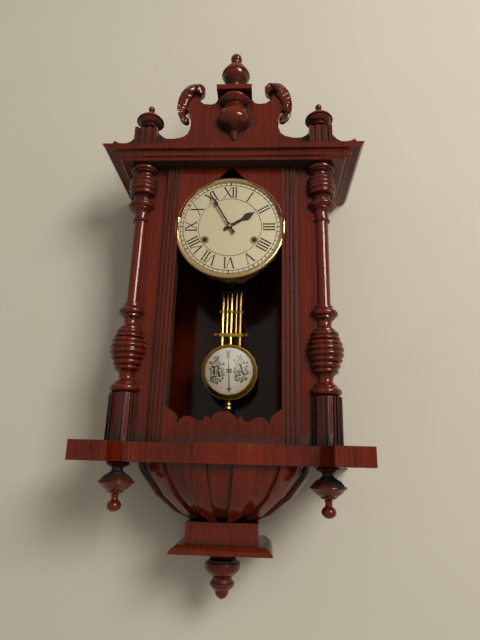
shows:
1,55
